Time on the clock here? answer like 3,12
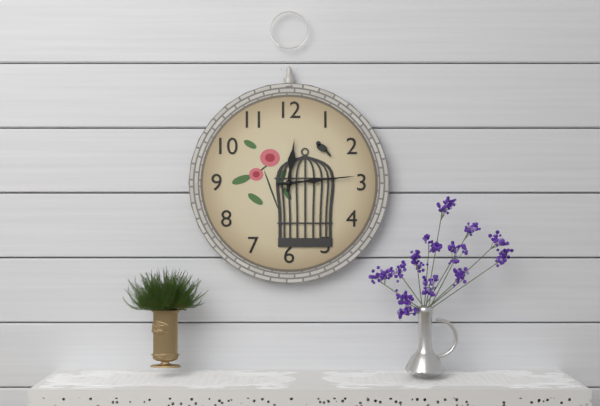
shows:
12,14
